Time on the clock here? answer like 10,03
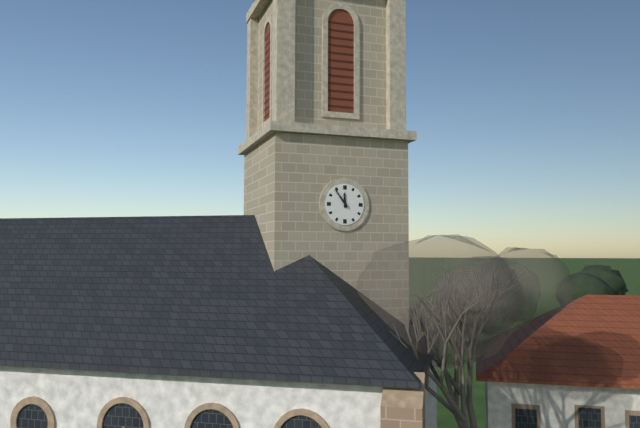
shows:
11,54
